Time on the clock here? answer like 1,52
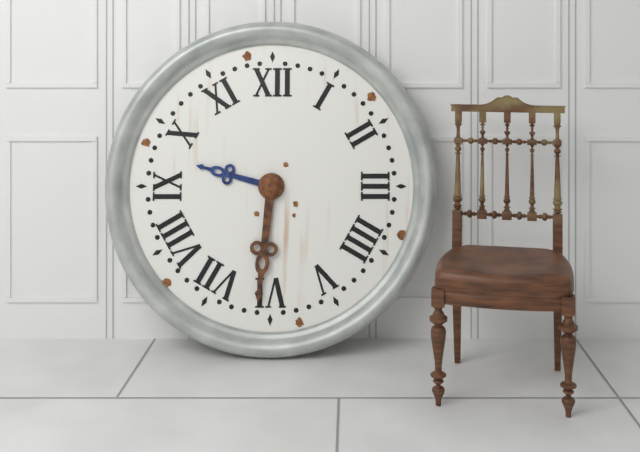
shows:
9,31
